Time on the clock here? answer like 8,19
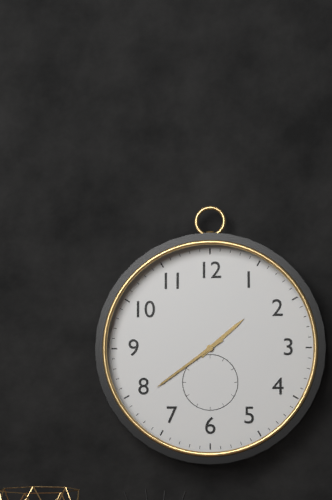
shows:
1,39
